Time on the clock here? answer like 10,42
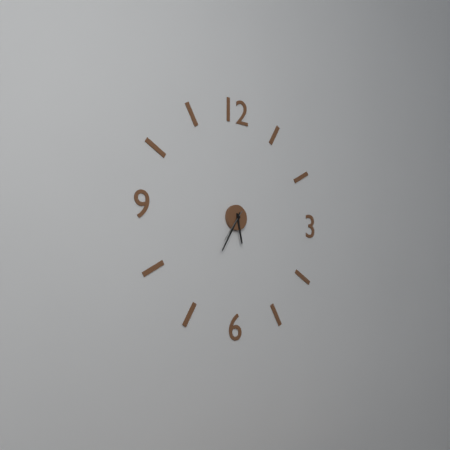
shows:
5,35
